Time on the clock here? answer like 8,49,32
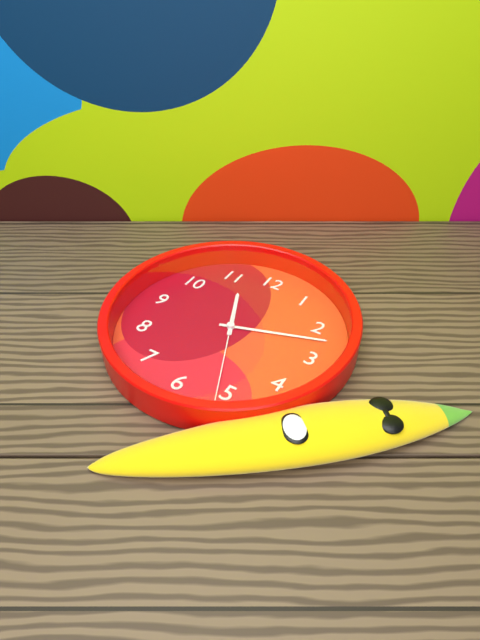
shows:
11,12,26
